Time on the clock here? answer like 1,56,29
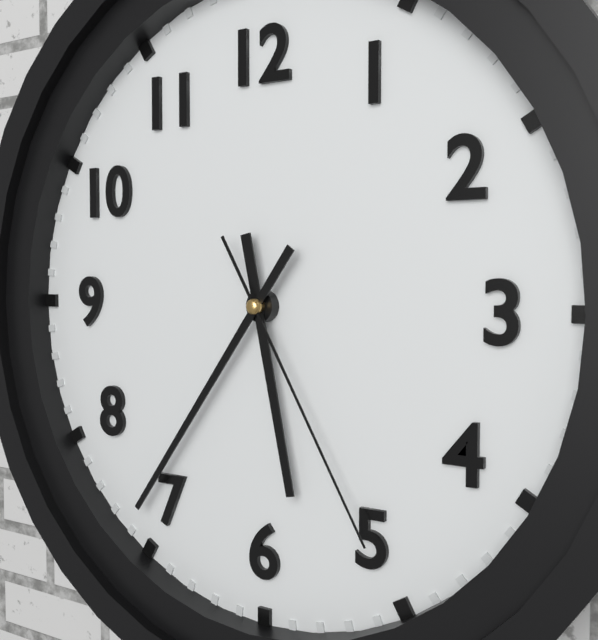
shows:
5,36,25
